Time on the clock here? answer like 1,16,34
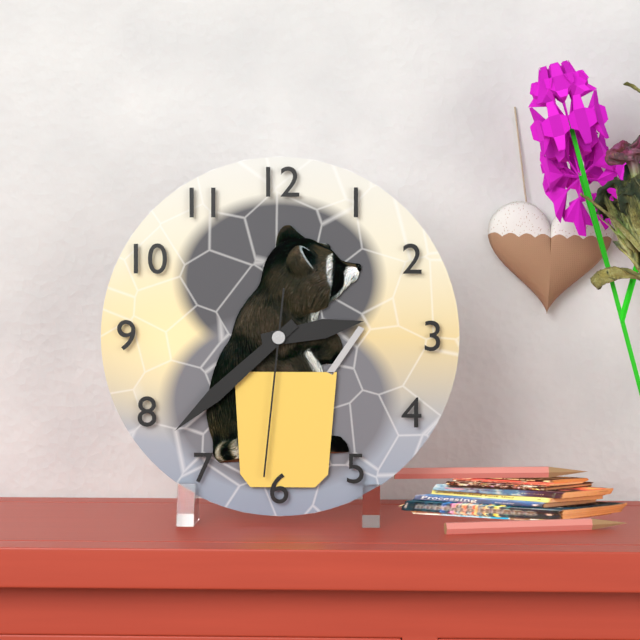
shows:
2,38,31
